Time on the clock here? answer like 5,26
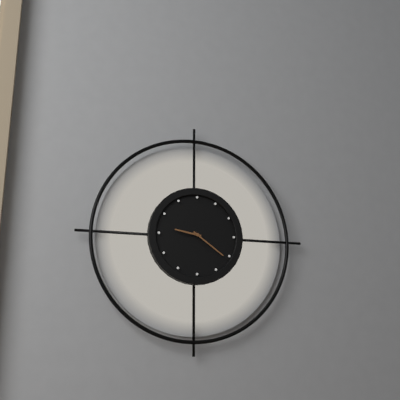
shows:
9,21
